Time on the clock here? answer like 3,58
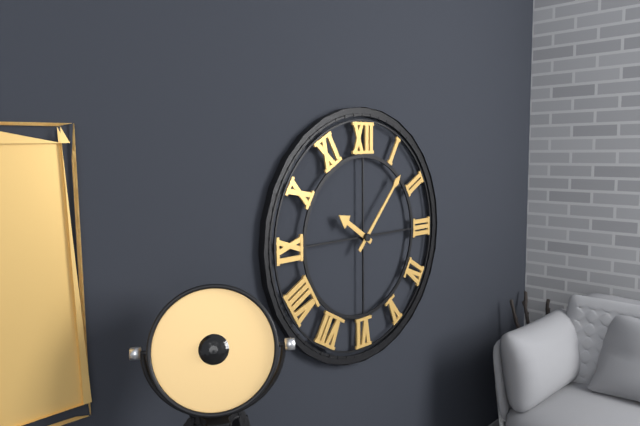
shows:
10,07
